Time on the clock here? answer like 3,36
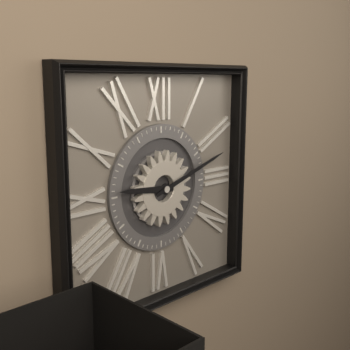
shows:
9,12
